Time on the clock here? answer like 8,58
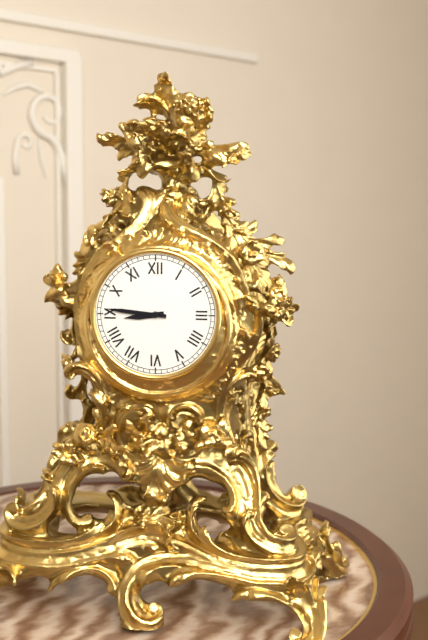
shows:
8,46
